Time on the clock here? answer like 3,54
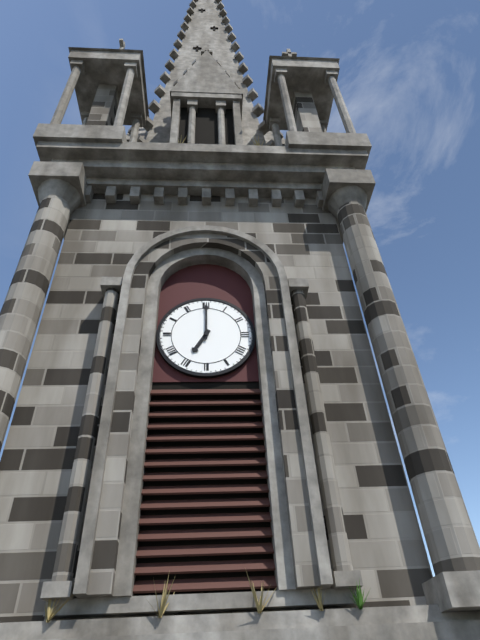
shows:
7,00
